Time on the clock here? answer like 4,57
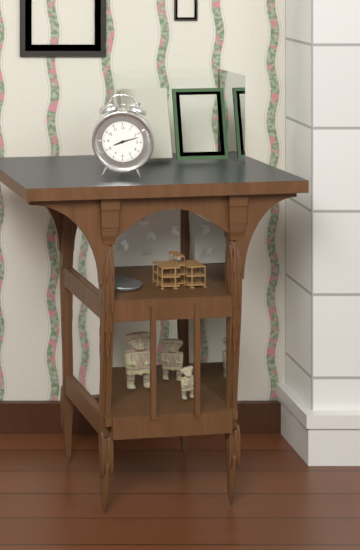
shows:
8,12
